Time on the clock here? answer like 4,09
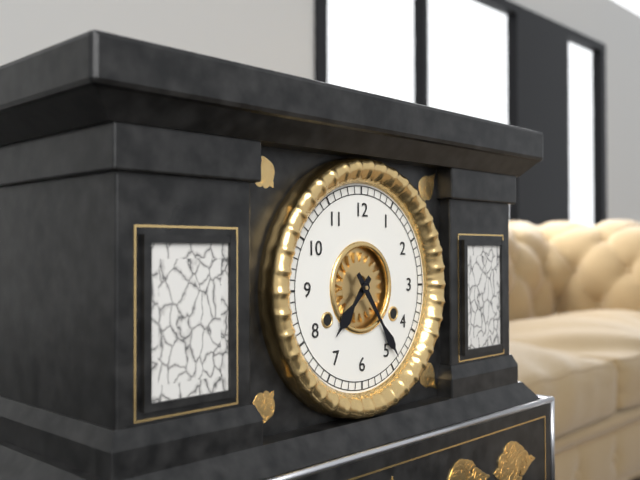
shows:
7,24
